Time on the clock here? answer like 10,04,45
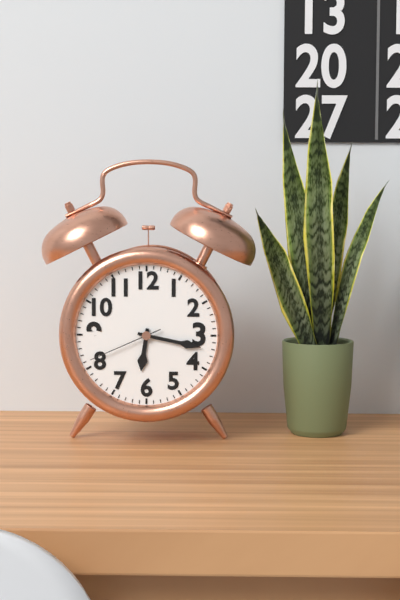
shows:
6,17,41
